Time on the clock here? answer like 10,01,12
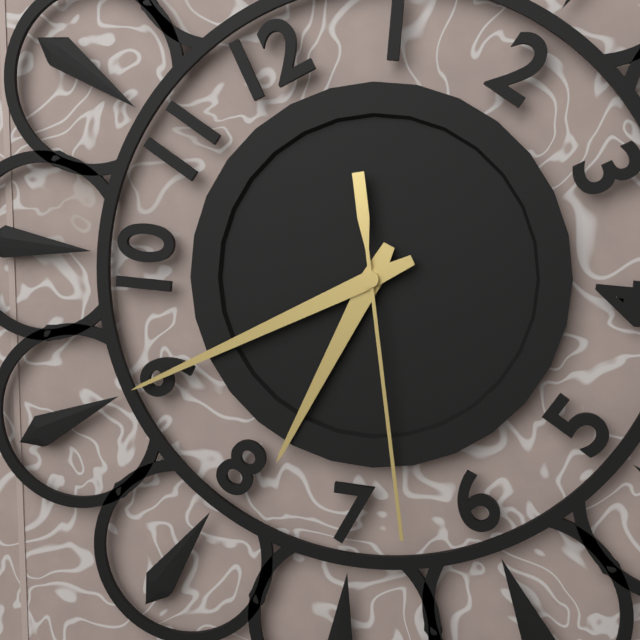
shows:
7,45,33
